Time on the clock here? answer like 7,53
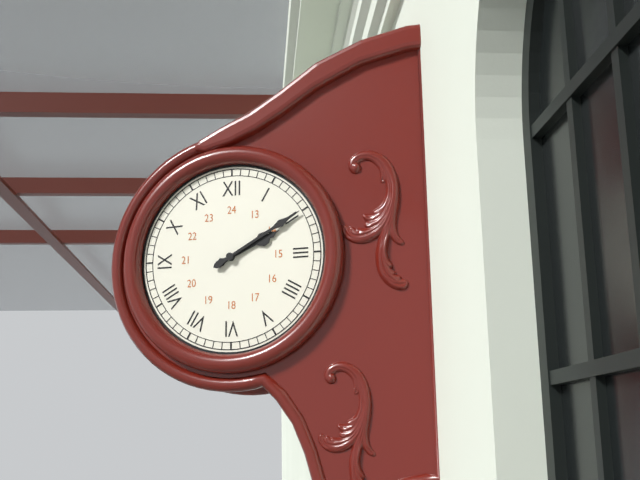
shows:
2,10
